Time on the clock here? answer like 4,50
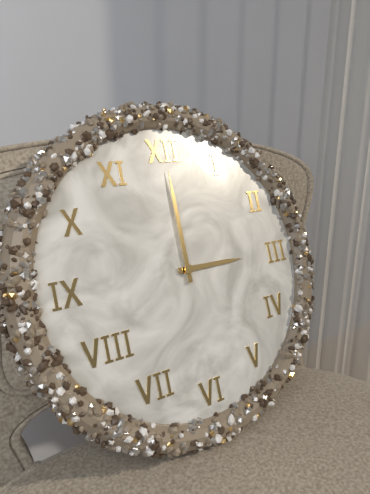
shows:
3,00
